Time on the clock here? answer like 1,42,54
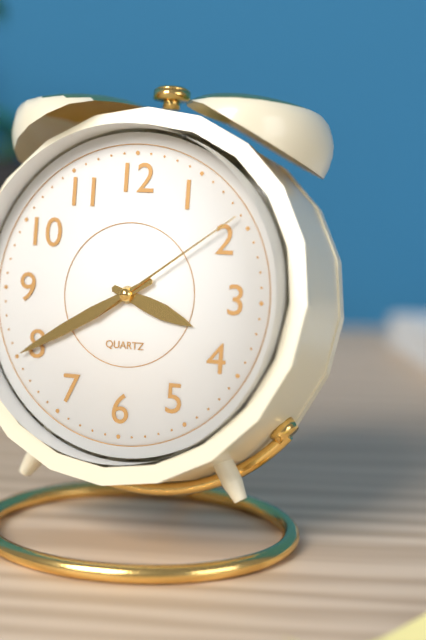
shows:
3,40,09
